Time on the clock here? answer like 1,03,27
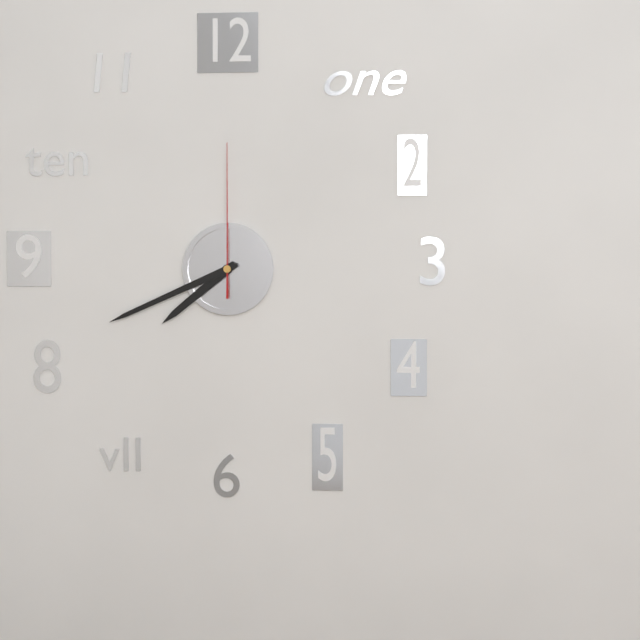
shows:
7,41,00
